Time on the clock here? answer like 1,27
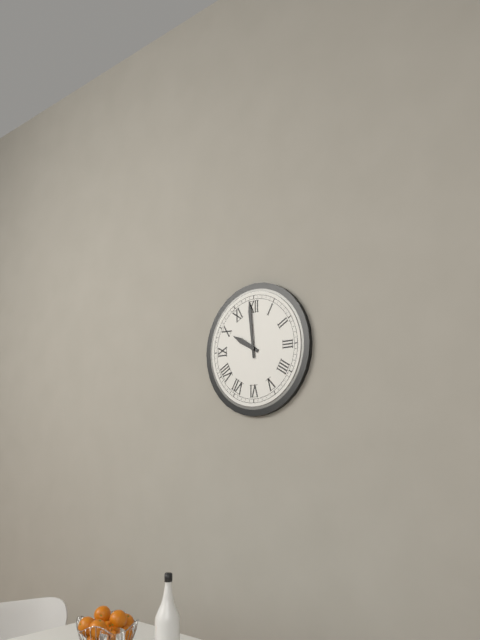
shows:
9,59
